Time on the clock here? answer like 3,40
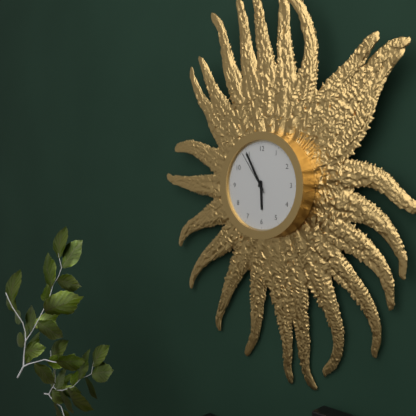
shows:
5,55
